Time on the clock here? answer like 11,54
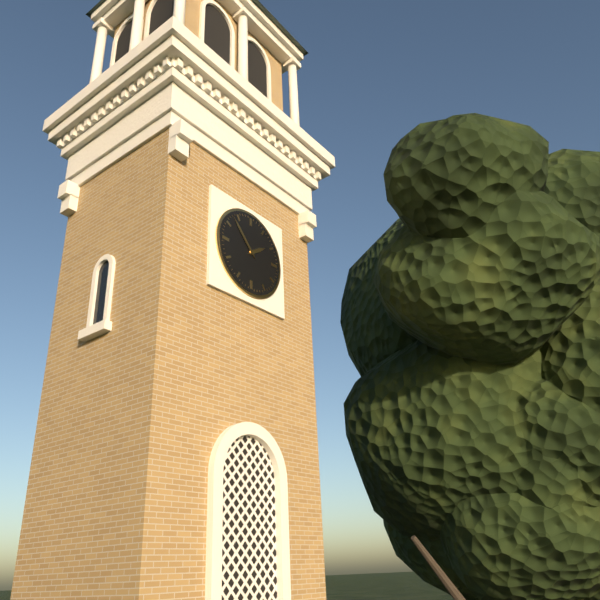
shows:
1,53
